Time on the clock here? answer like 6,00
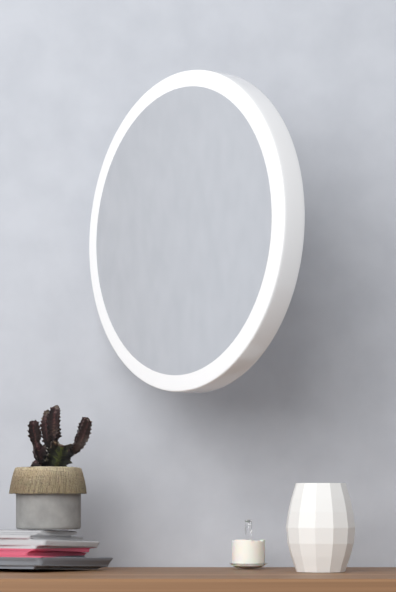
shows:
11,03
